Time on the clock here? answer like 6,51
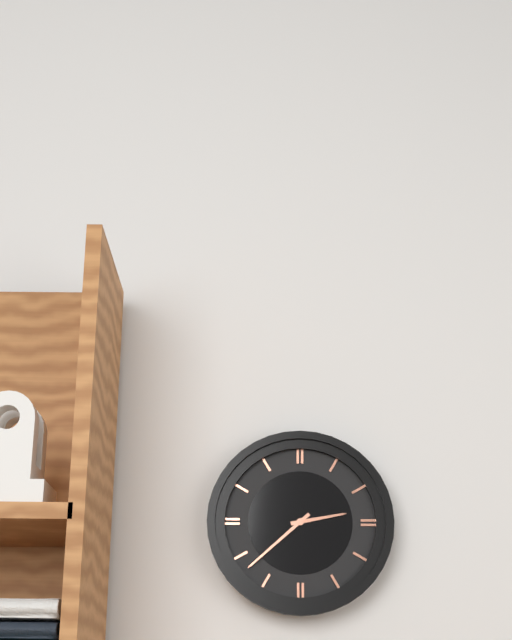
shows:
2,38
